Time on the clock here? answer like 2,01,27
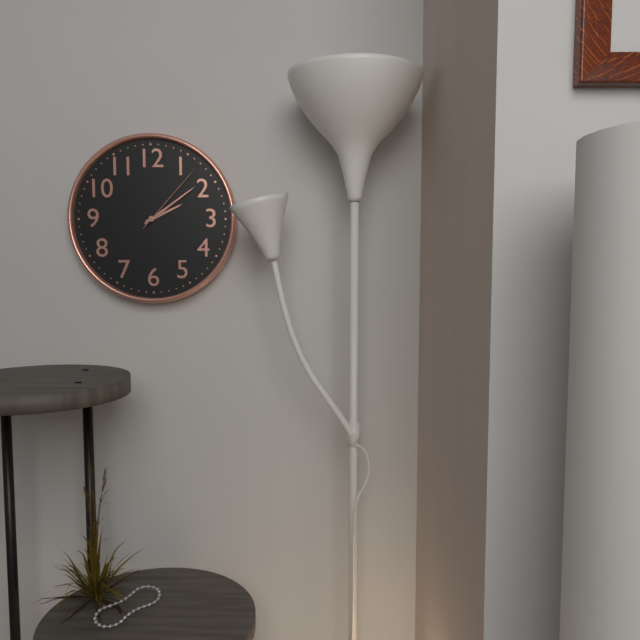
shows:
2,09,07
